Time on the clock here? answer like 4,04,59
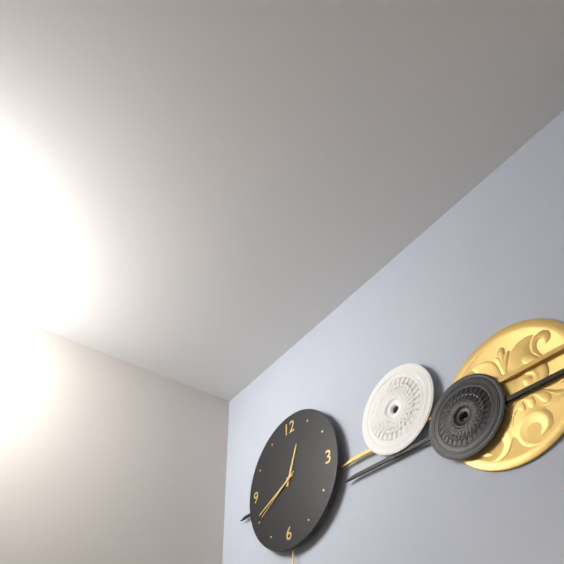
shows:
12,41,40
